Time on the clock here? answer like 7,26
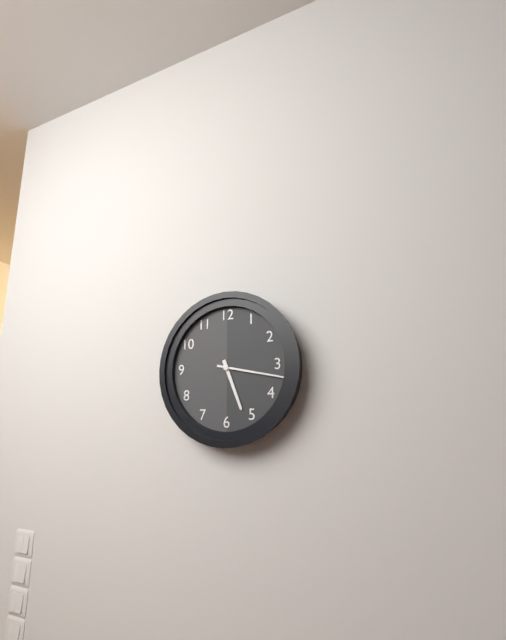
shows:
5,17
